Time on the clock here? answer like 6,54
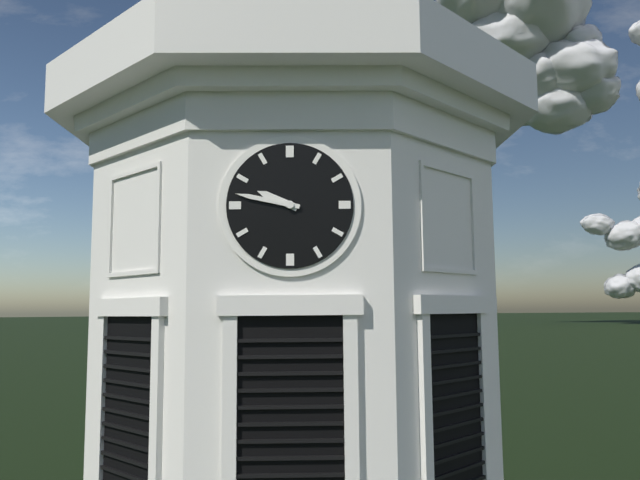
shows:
9,47
